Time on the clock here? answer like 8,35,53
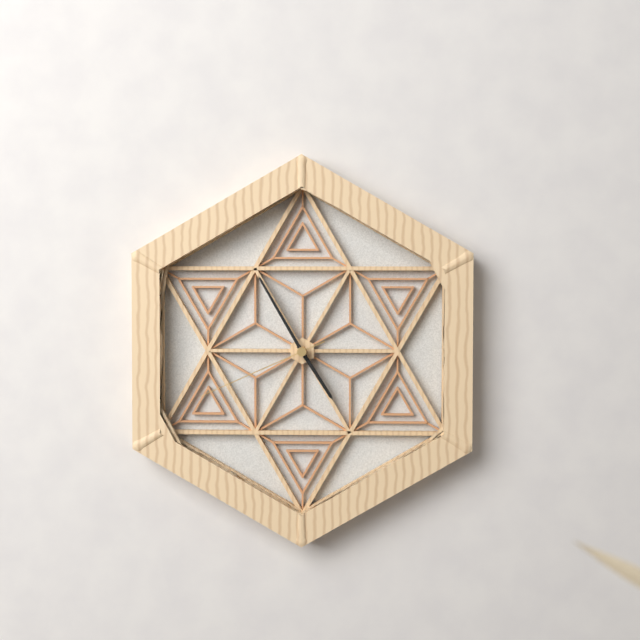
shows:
4,55,41
